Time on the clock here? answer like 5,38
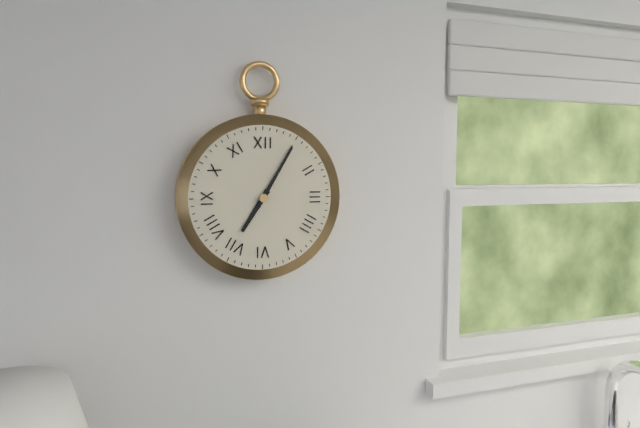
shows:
7,05
